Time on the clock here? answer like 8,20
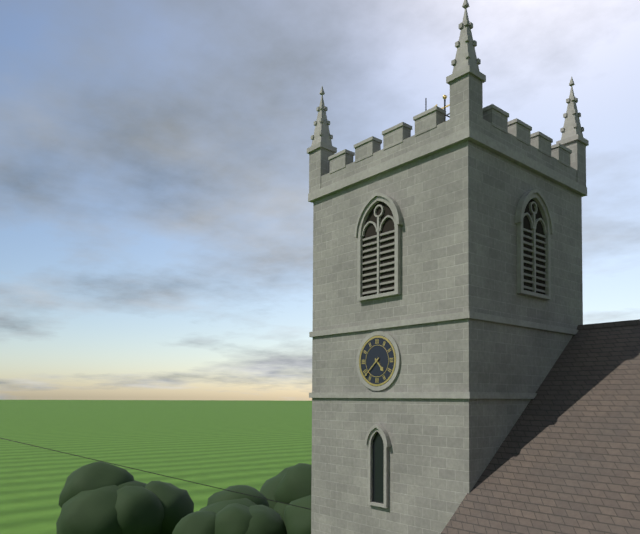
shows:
4,38
